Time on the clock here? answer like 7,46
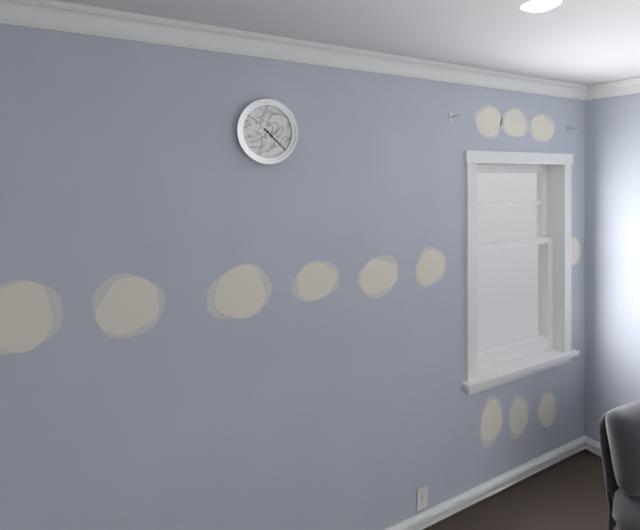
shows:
4,22
